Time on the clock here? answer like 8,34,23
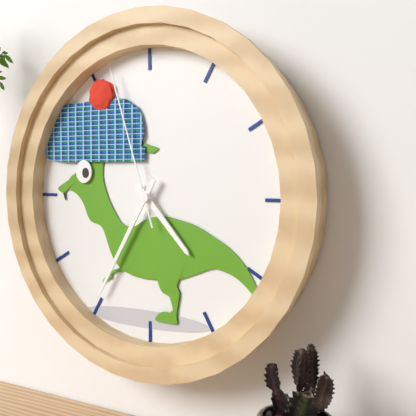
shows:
4,35,57
